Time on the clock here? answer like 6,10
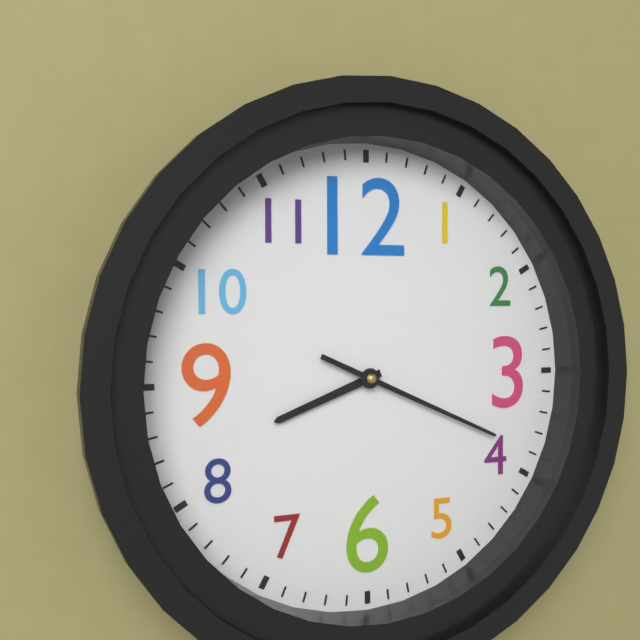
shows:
8,19
